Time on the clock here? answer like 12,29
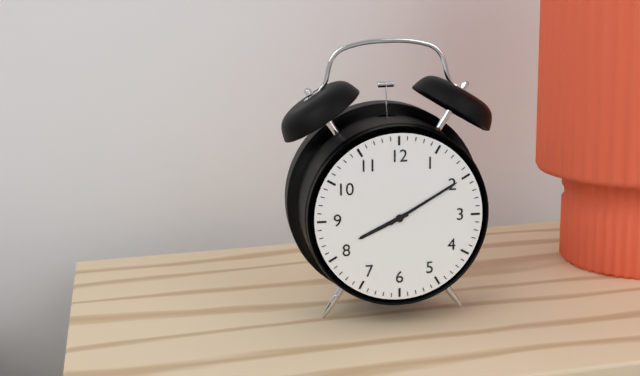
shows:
8,10
